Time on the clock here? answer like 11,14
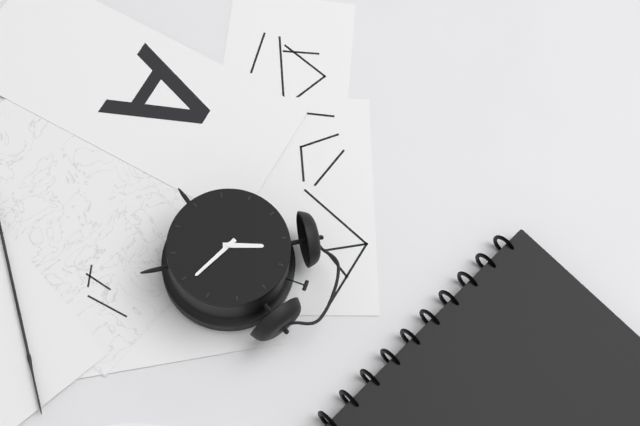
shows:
11,19
